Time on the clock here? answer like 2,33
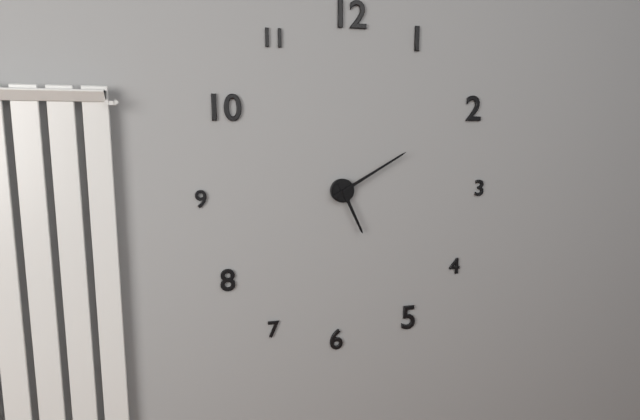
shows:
5,10
